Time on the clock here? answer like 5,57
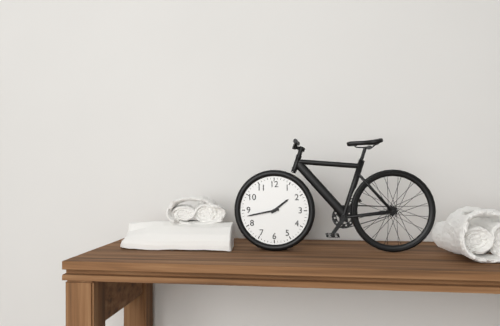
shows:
1,43
